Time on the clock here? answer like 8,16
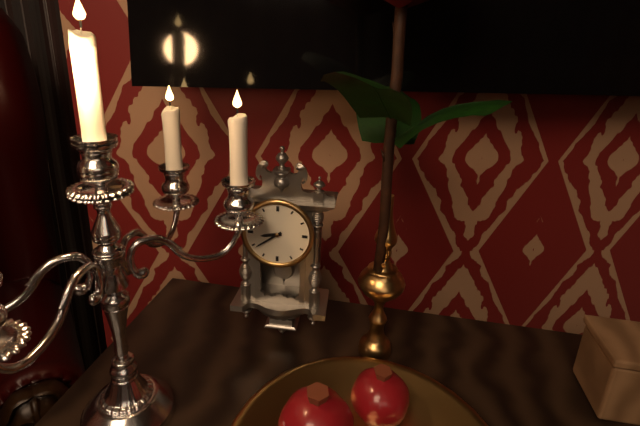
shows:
8,39
